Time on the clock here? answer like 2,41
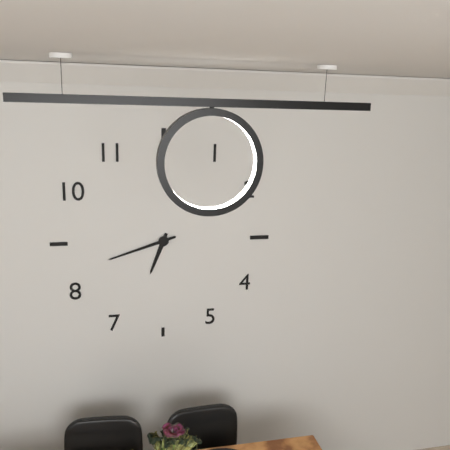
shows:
6,42
